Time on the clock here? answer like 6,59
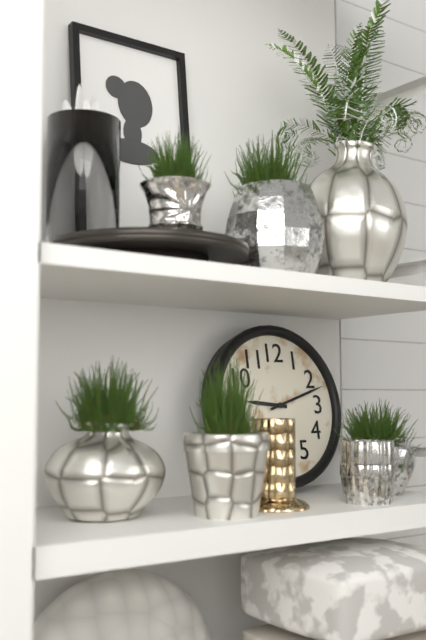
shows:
9,12
